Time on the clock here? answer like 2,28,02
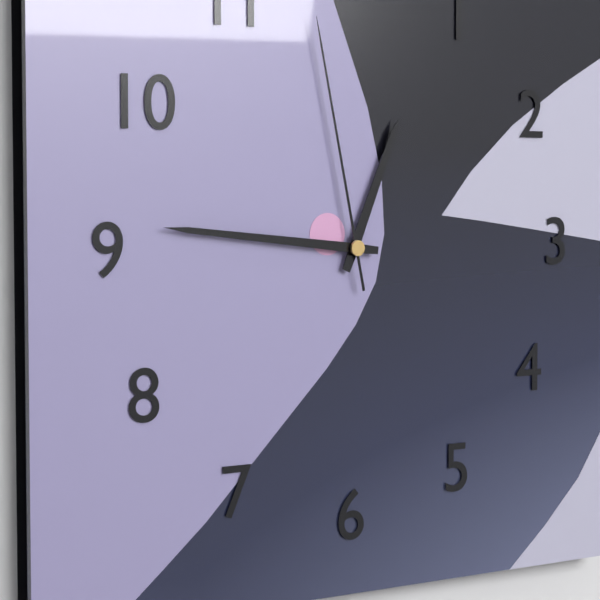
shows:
12,46,58
